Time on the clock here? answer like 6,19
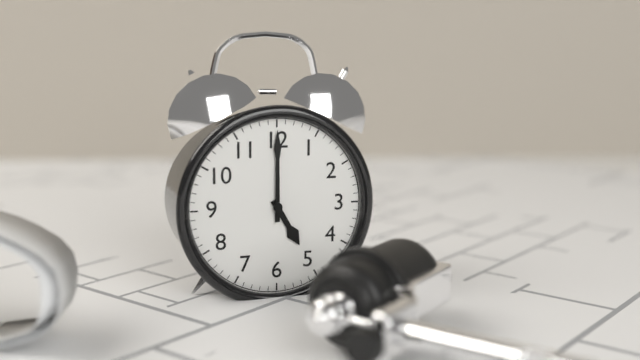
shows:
5,00
